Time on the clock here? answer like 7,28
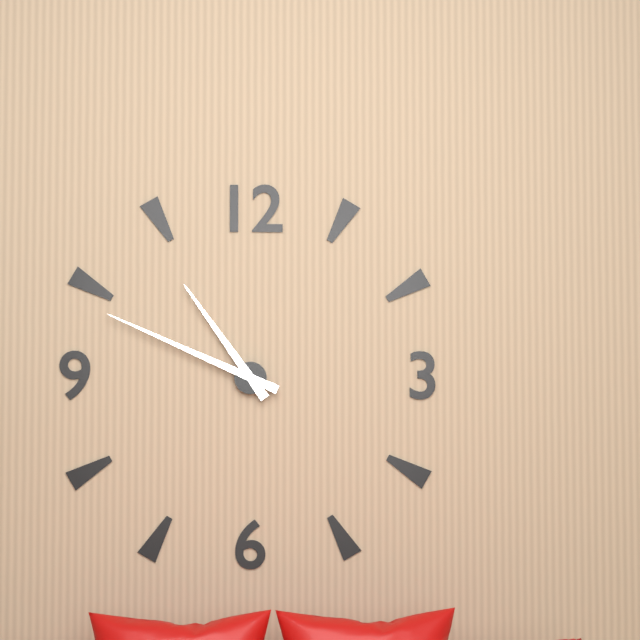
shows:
10,49
